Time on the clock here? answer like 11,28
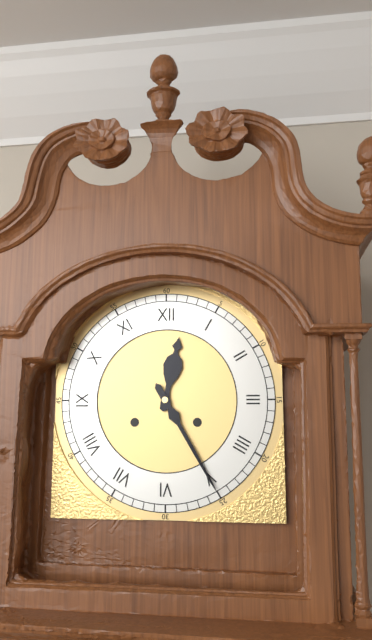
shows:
12,25
